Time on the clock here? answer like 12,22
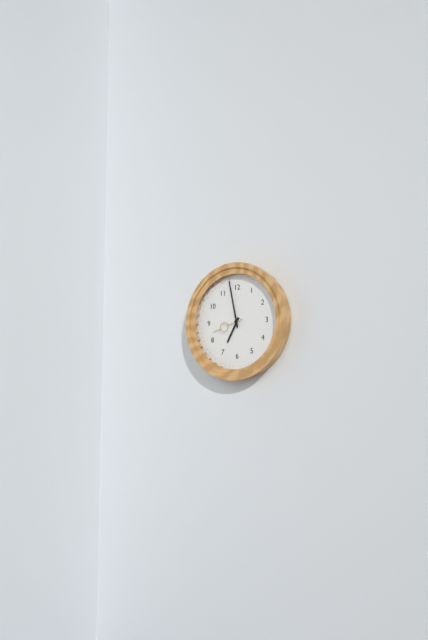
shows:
6,58
